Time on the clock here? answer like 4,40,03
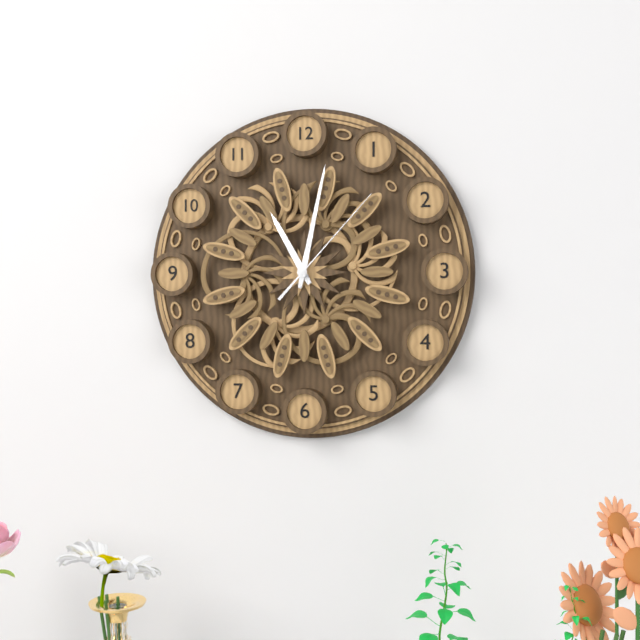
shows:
11,02,07
